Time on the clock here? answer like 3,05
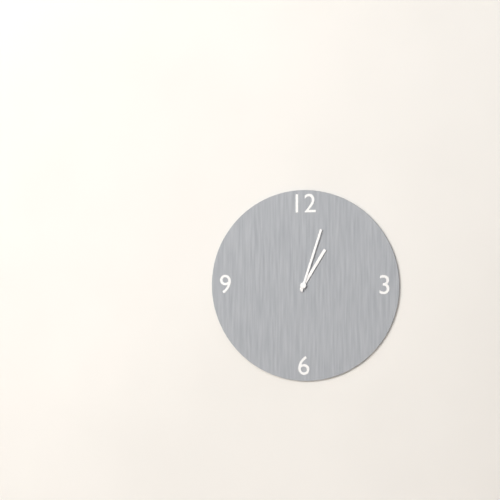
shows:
1,03
